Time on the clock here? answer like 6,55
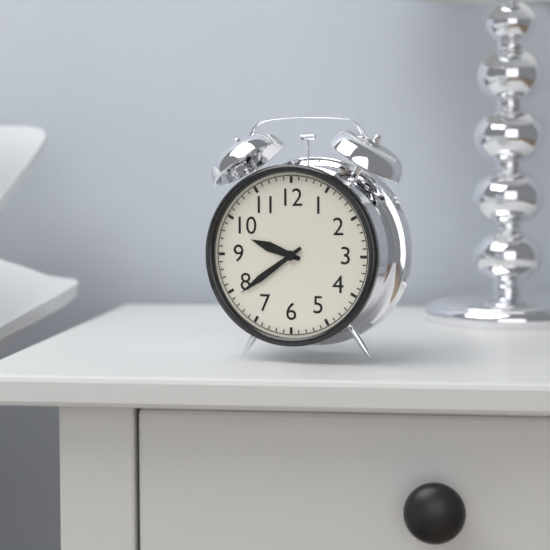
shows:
9,39
